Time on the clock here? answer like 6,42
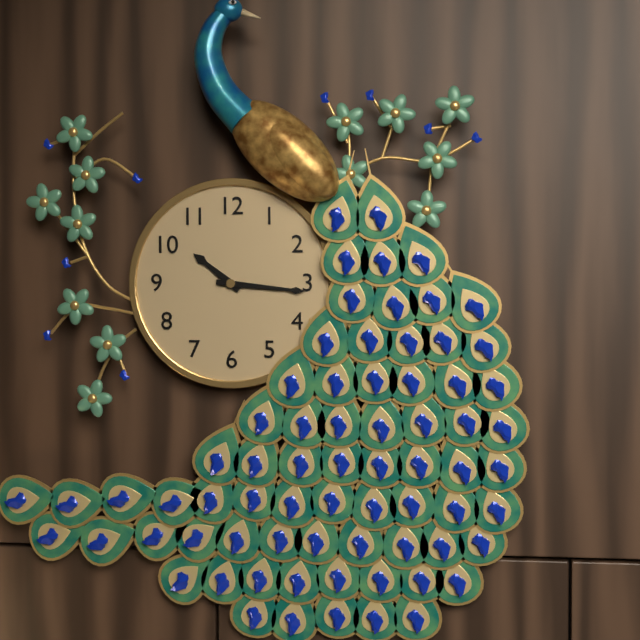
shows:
10,16
